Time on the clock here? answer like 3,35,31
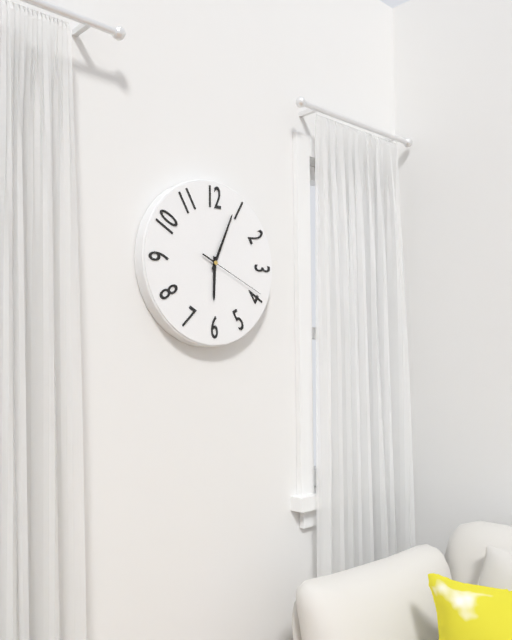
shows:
6,04,19
